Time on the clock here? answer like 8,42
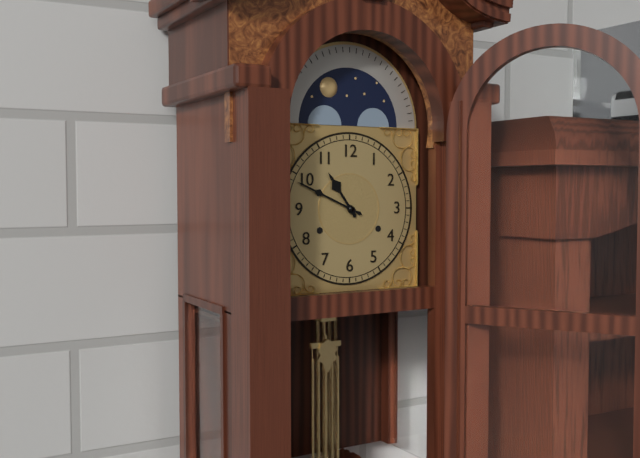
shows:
10,49
